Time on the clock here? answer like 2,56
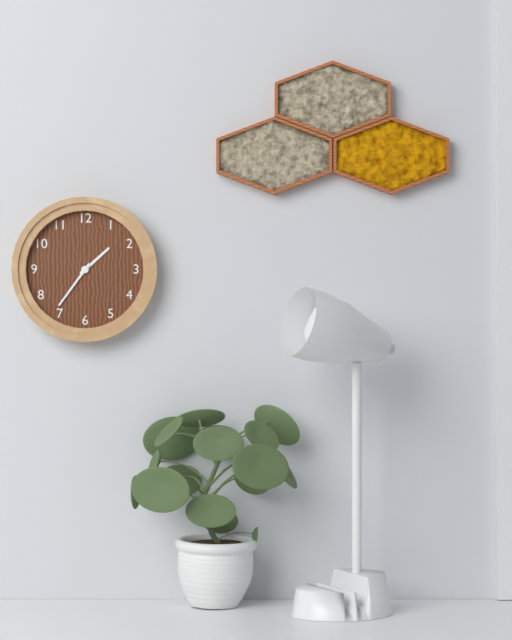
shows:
1,36
